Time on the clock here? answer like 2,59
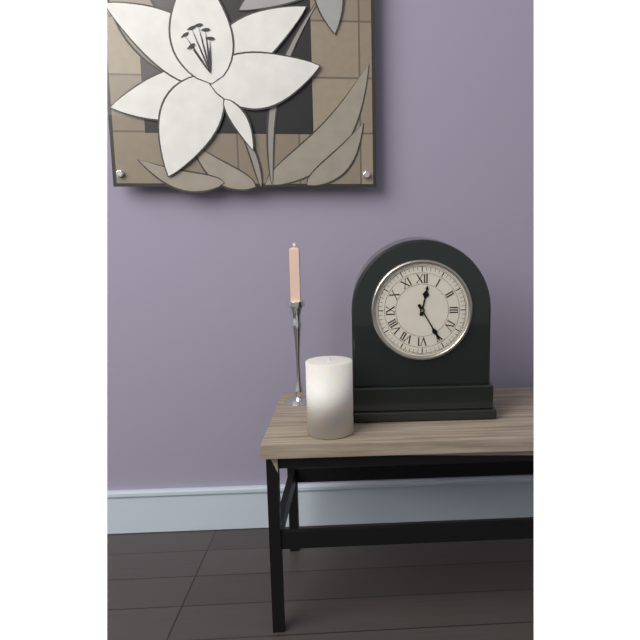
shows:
12,25
